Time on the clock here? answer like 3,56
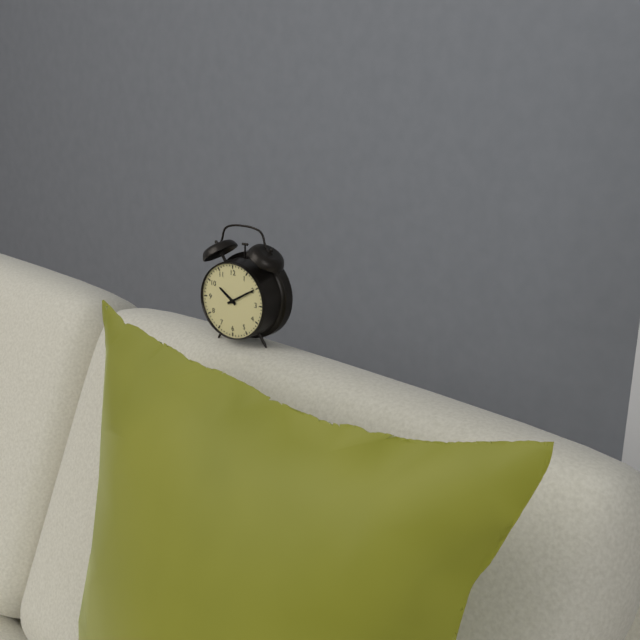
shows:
10,10
